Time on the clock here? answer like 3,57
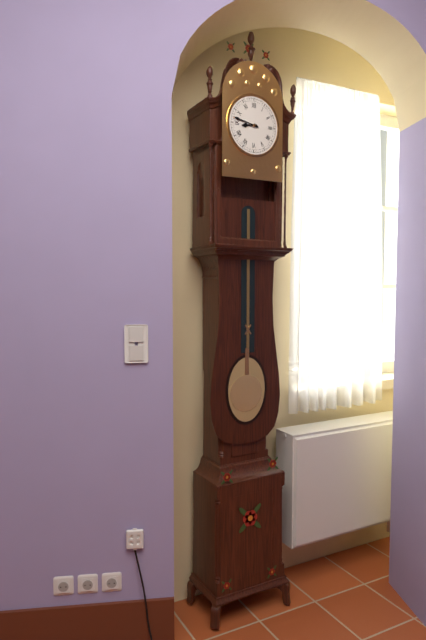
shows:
8,47
